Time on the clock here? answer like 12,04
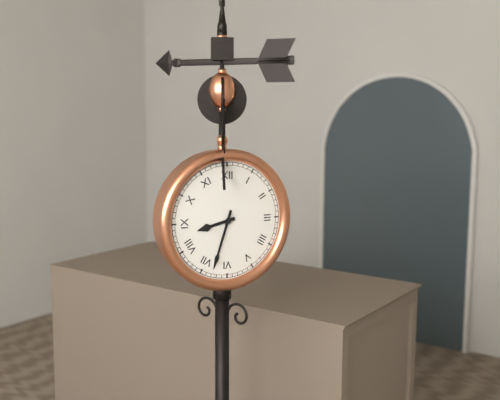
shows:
8,33
